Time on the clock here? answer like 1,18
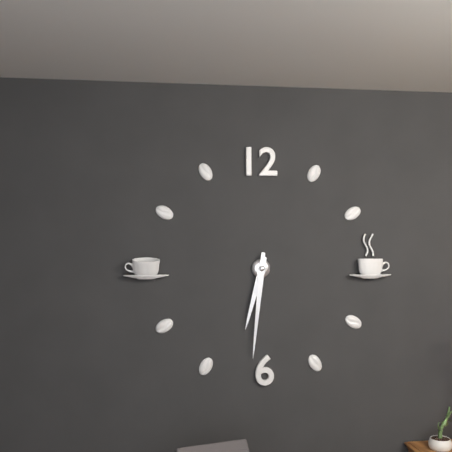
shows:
6,31
